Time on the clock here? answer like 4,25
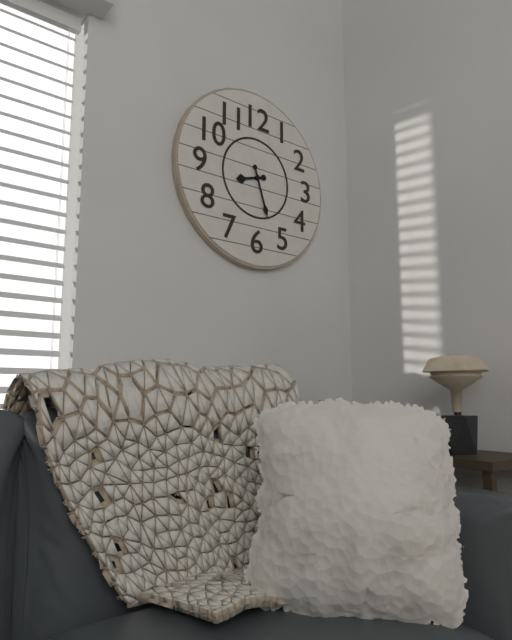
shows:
8,27
